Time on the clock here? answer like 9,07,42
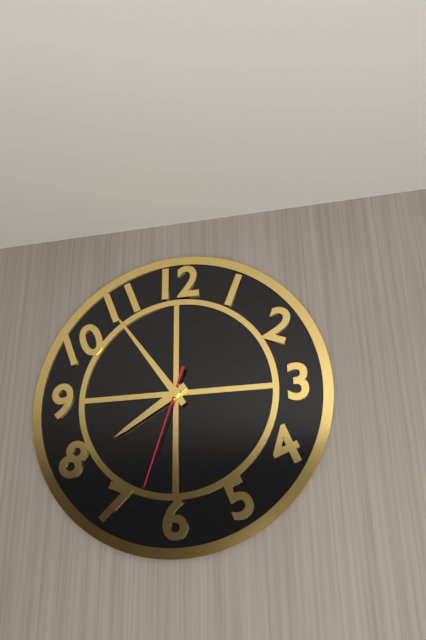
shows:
7,54,33
